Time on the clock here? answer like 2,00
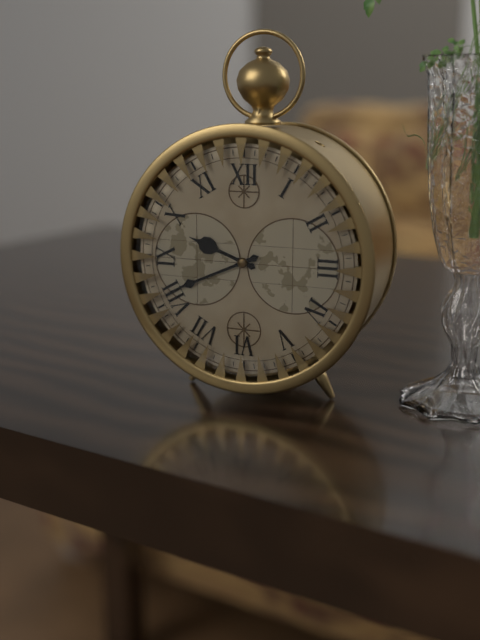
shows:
9,41
